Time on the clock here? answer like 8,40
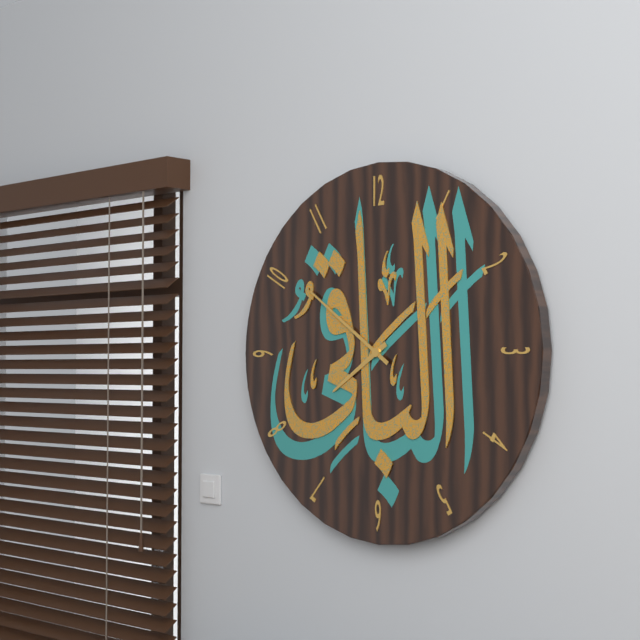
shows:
7,51
